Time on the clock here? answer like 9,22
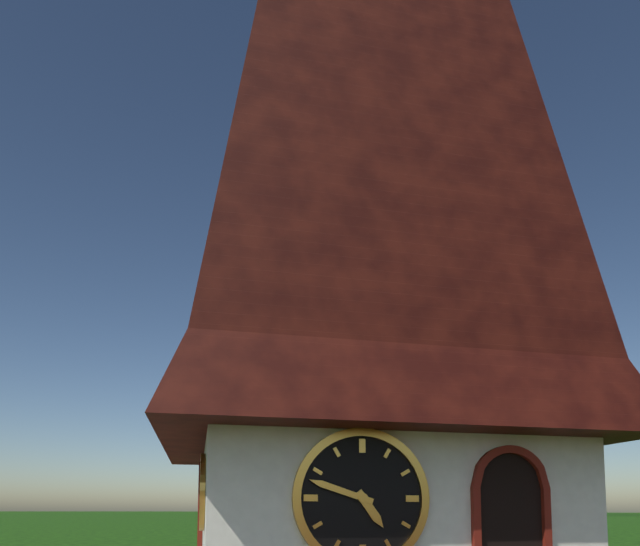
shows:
4,48
